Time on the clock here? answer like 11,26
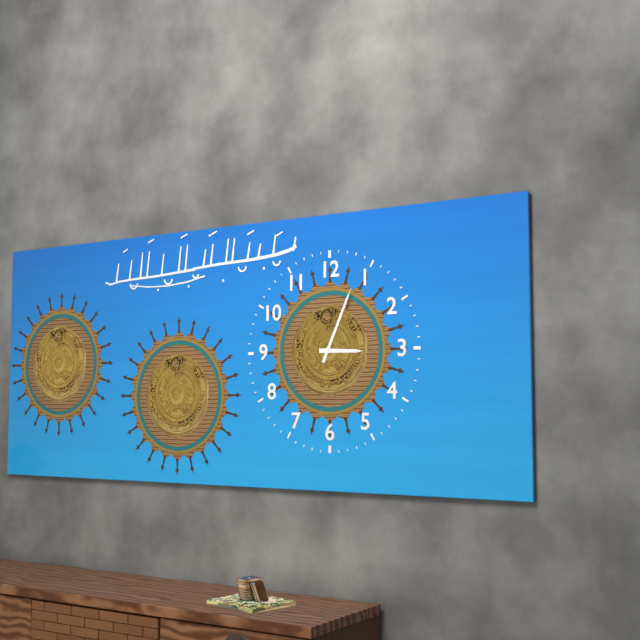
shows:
3,04
